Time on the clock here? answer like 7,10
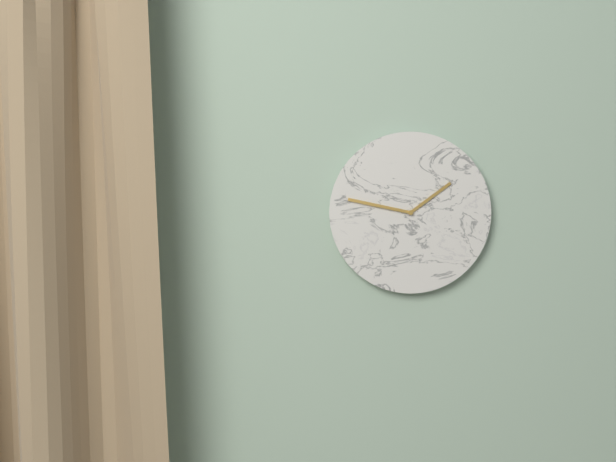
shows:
1,47
